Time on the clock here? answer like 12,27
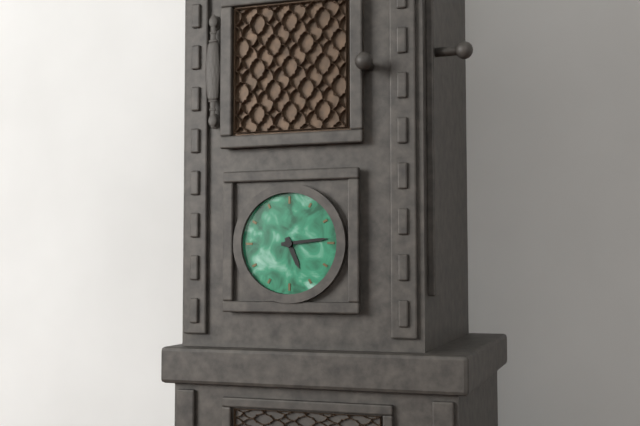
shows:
5,14
